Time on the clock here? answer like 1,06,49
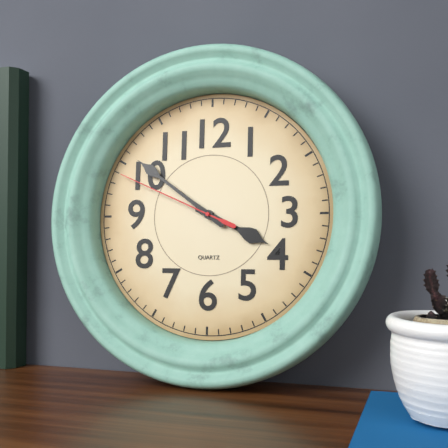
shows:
3,51,49
